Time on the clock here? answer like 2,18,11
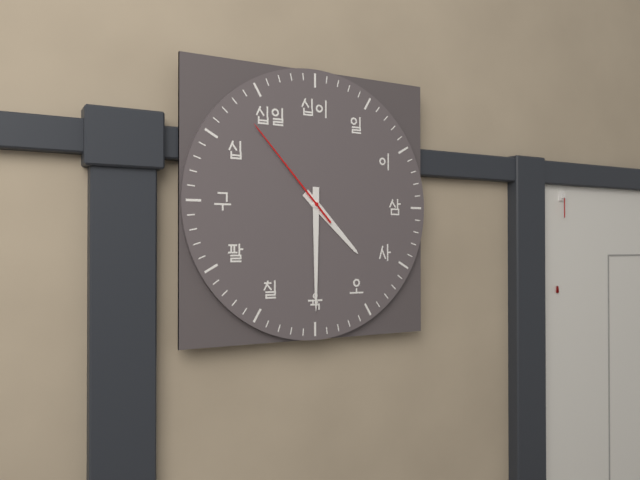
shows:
4,30,53
